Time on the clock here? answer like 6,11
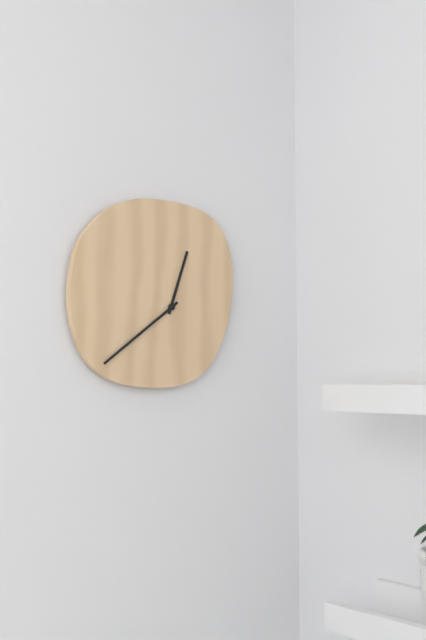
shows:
12,39
